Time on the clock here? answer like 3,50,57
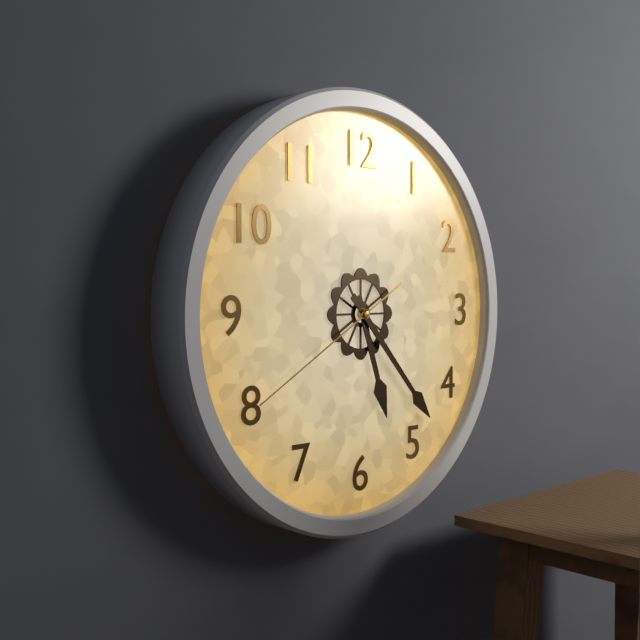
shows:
5,23,40
